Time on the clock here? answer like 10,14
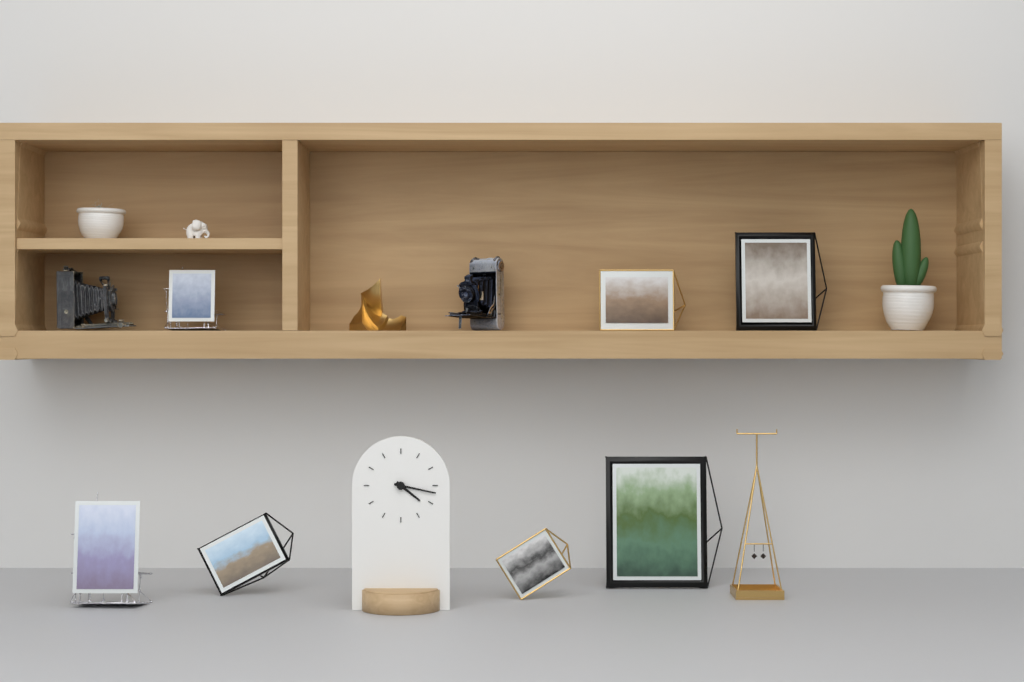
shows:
4,17
